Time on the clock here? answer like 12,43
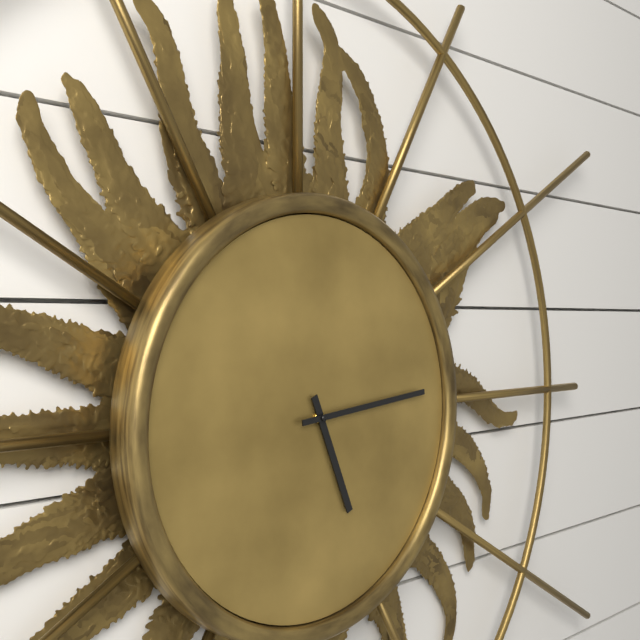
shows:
5,14
